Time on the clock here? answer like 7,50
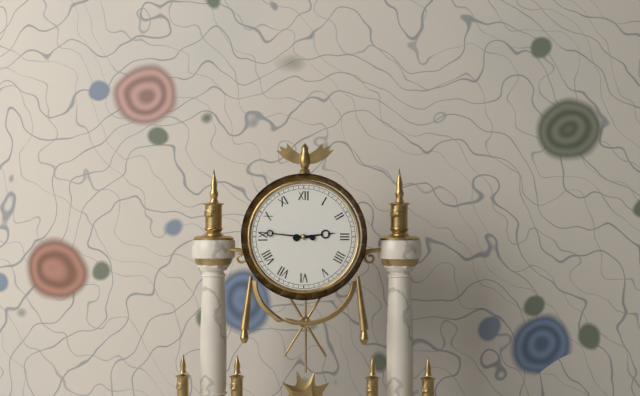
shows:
2,46
